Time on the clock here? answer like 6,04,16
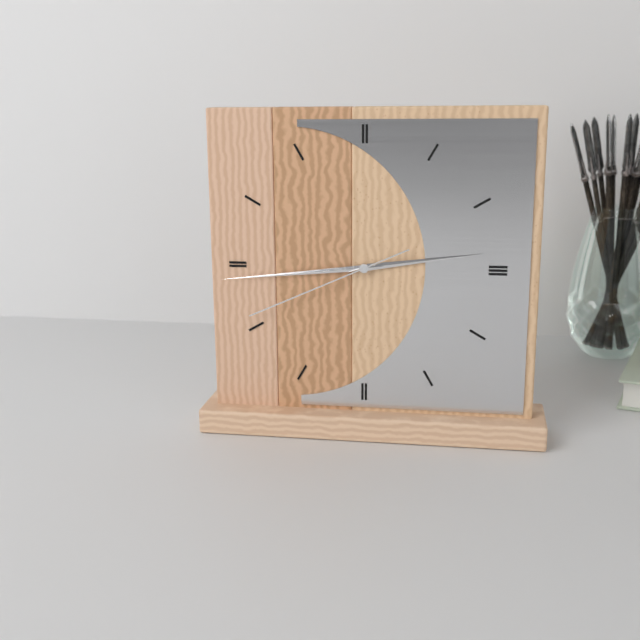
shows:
2,44,41
